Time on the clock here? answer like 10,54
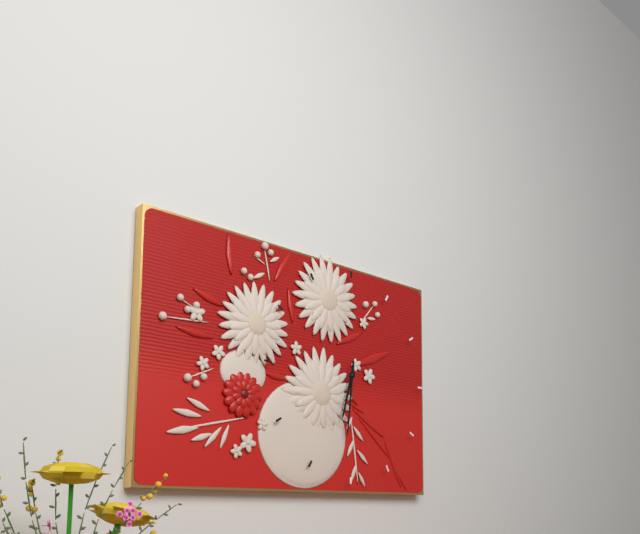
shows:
6,31
